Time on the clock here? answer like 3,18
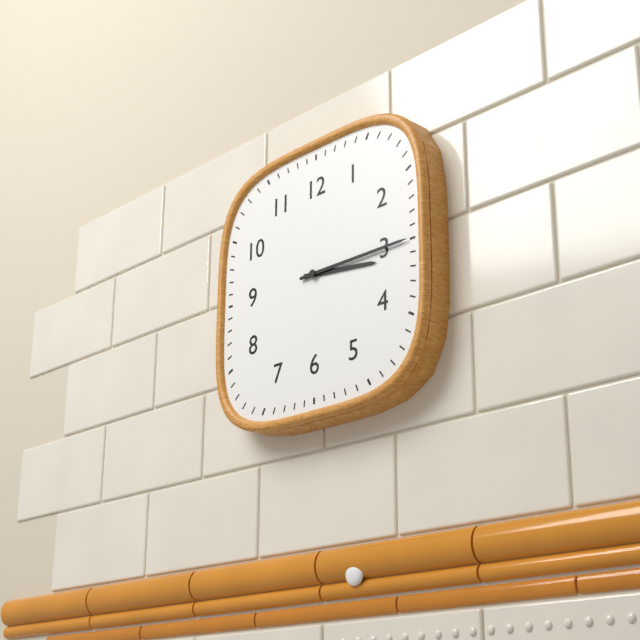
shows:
3,15
